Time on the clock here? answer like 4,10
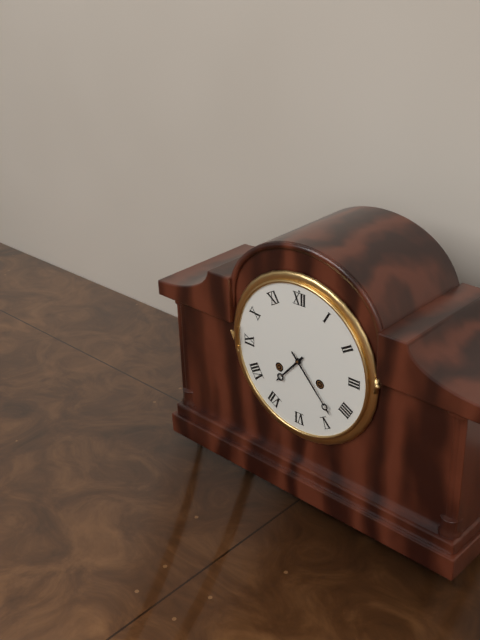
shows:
7,23
